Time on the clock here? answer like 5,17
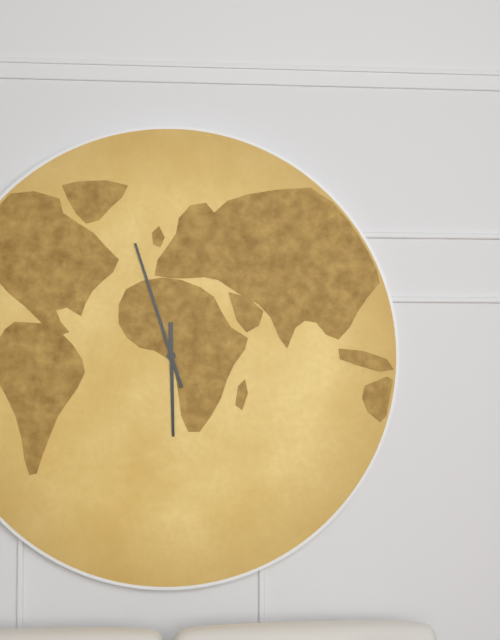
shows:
5,57
